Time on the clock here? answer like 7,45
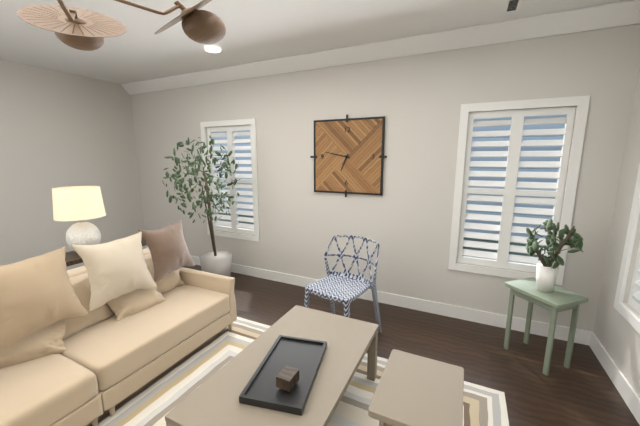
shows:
6,47
